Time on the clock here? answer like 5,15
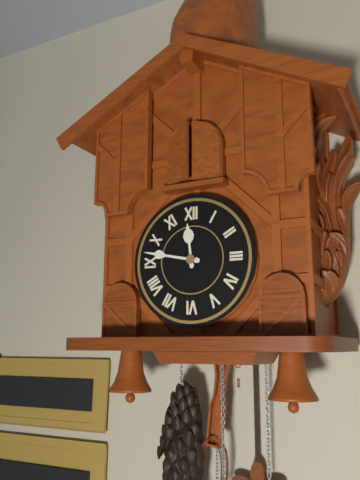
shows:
11,47
